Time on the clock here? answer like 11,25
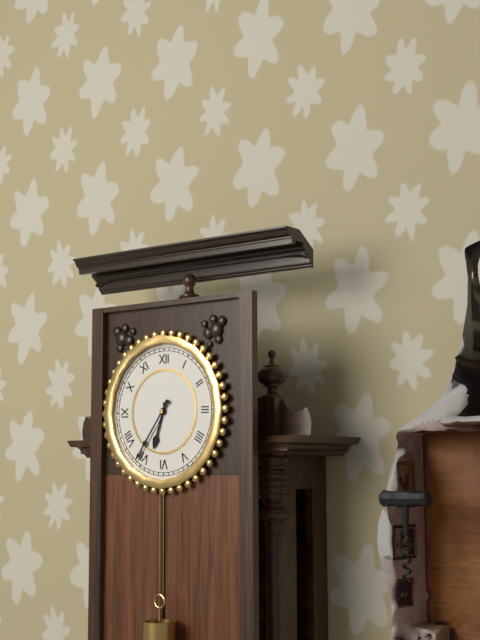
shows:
6,36
